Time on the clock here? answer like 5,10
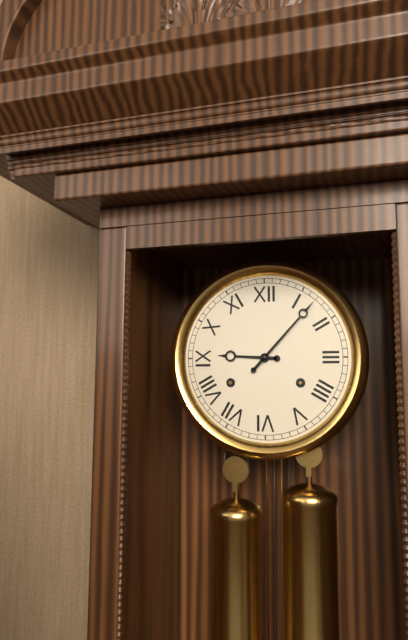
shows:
9,07
